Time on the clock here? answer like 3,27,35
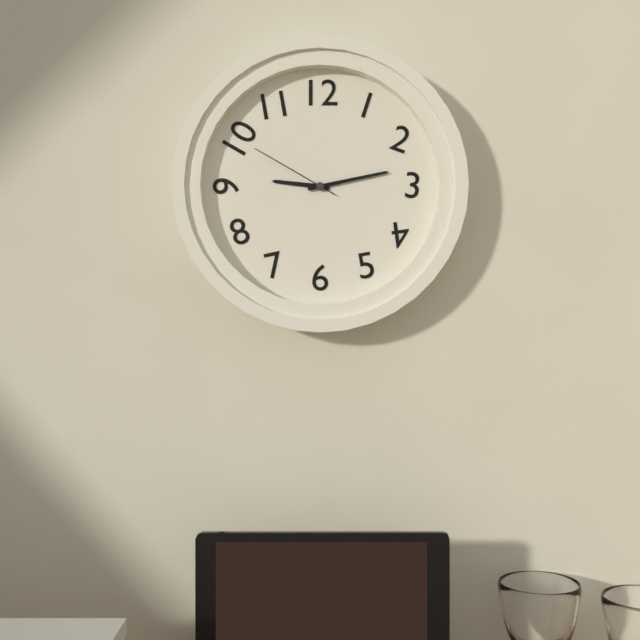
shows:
9,13,50
